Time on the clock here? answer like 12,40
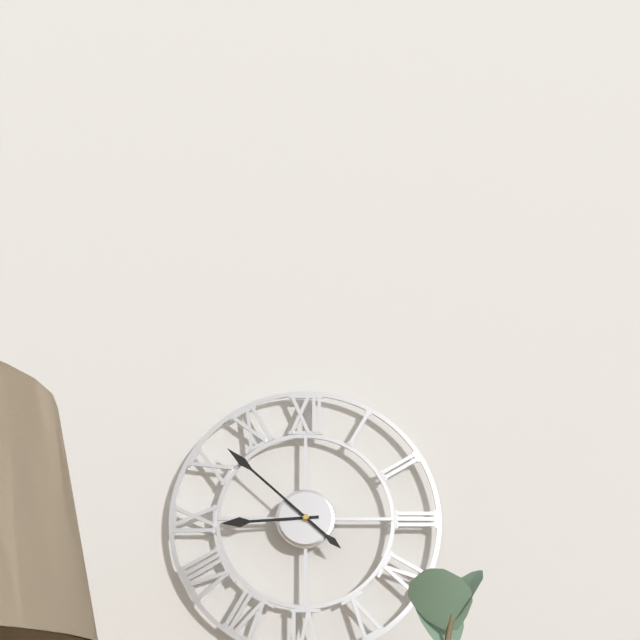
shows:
8,52
